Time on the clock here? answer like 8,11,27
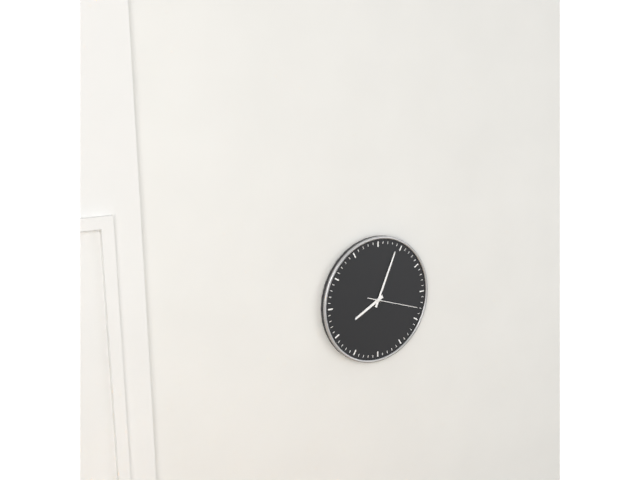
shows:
8,04,18
